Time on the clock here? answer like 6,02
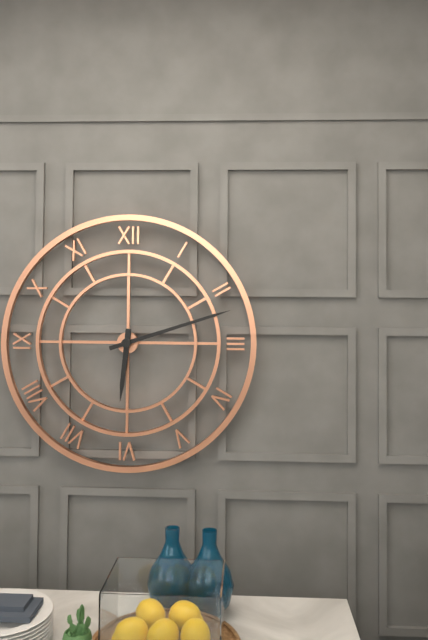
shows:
6,12
